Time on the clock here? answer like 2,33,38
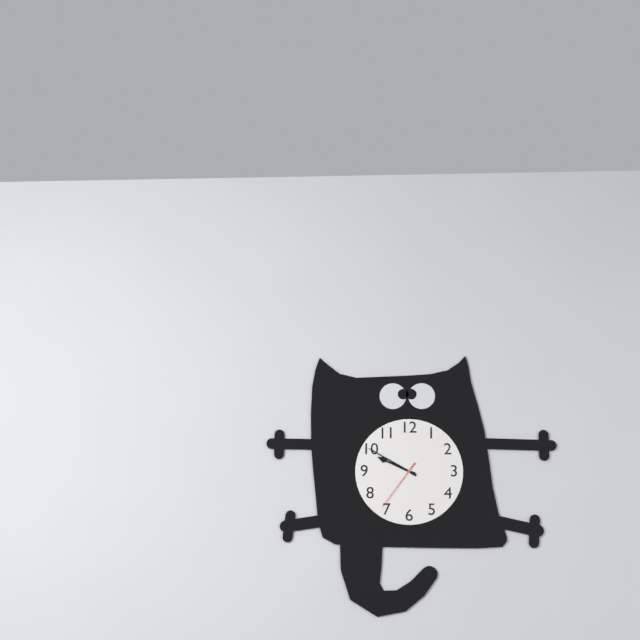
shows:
9,50,36
